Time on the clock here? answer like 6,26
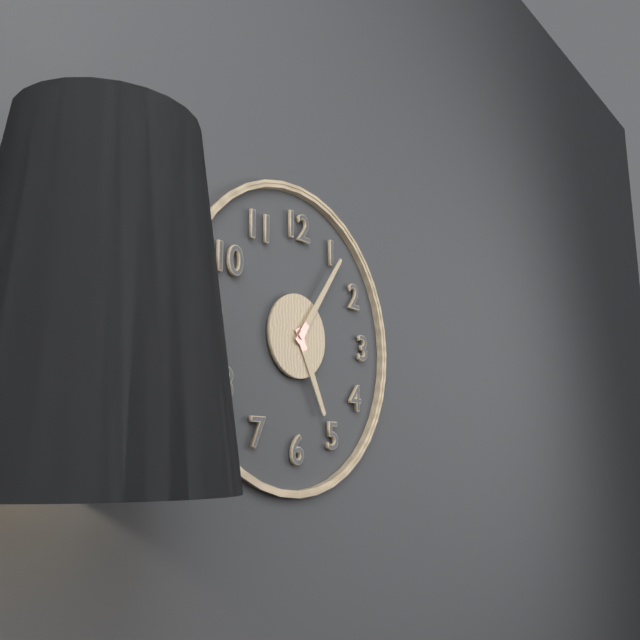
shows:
5,06
